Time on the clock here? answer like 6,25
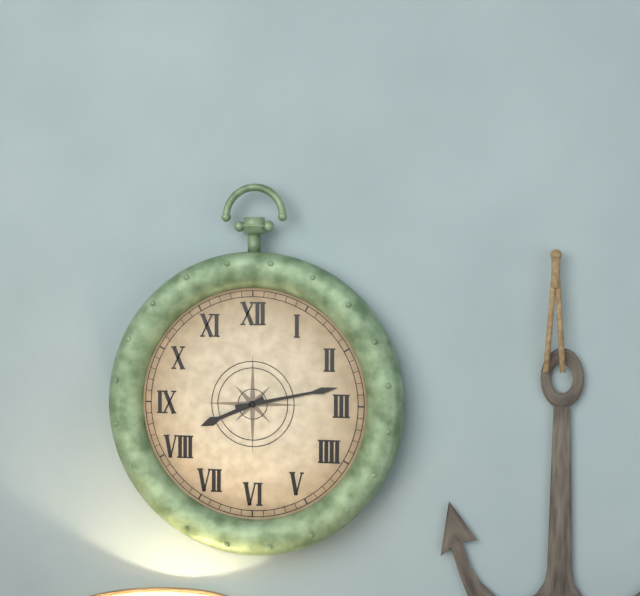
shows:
8,13
